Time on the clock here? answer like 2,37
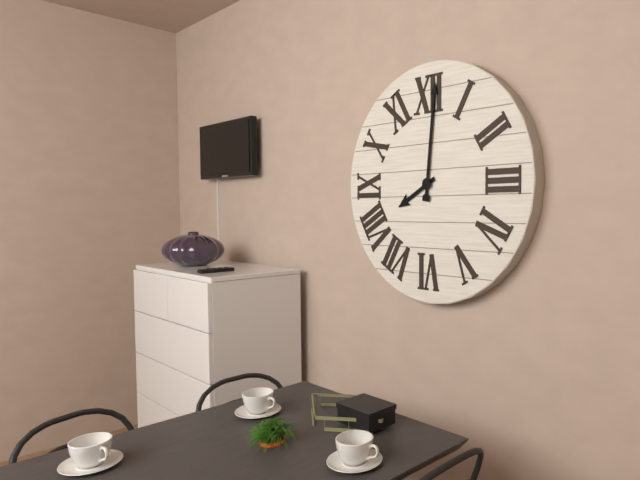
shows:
8,01
